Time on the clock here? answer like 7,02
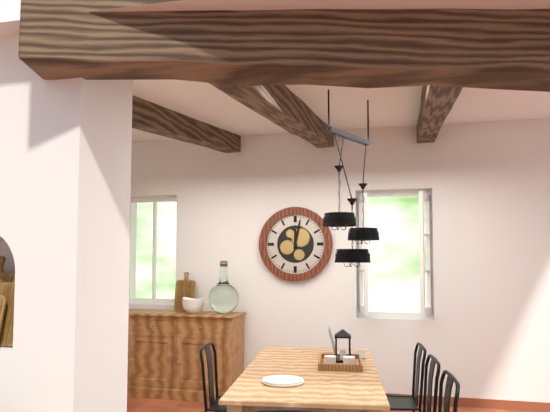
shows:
12,02
